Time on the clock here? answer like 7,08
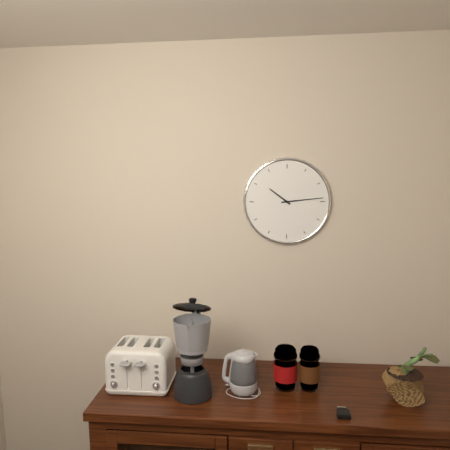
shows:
10,14
